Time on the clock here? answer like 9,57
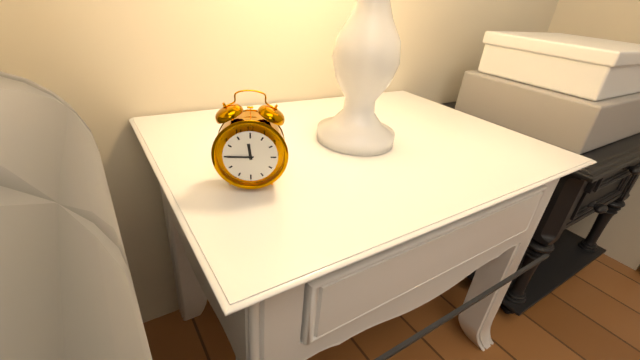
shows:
11,45
